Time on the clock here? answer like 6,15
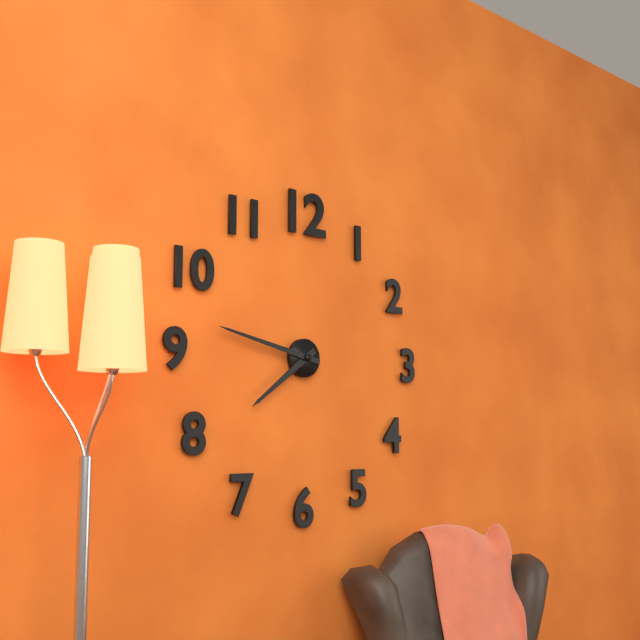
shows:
7,47
